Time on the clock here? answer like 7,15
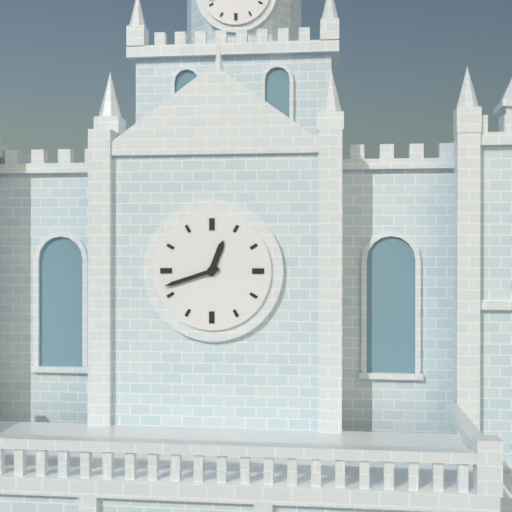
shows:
12,42
